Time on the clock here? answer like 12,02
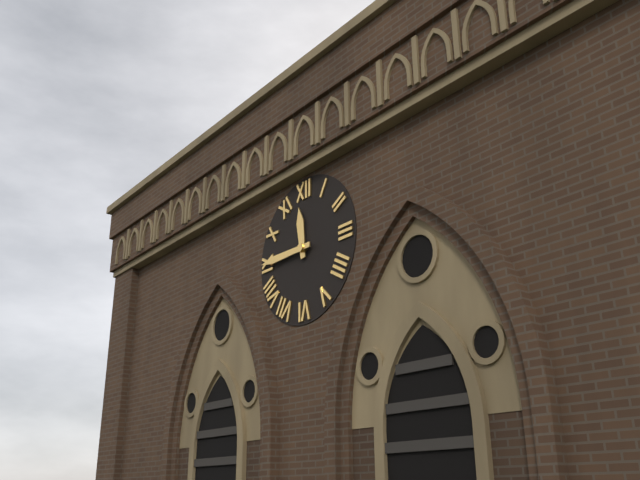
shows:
11,45
